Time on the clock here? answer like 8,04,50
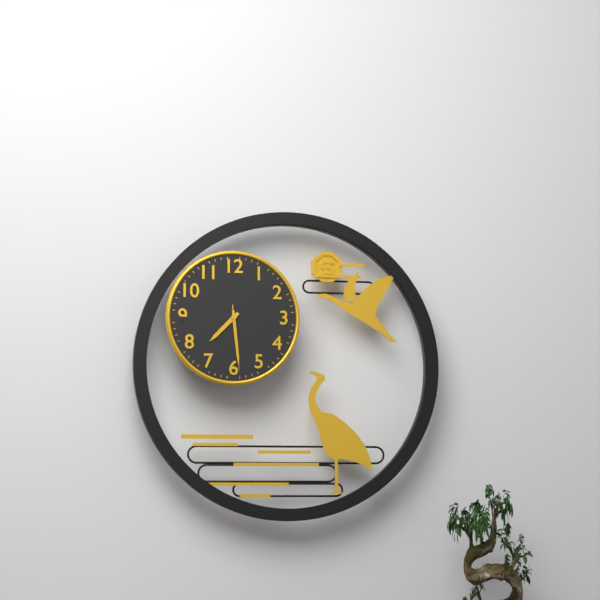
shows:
7,29,29
